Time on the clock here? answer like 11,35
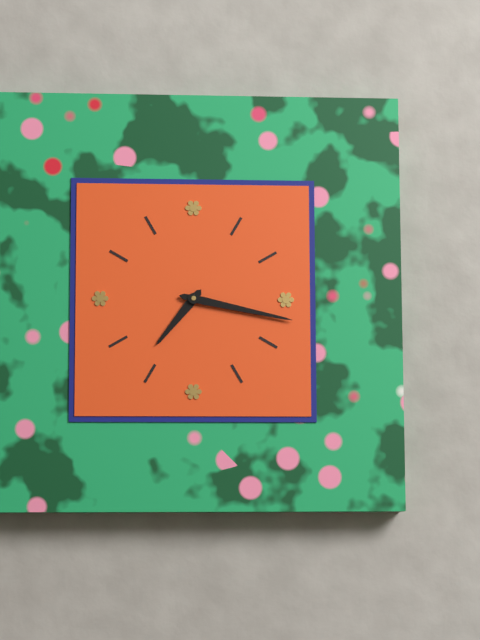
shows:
7,17
